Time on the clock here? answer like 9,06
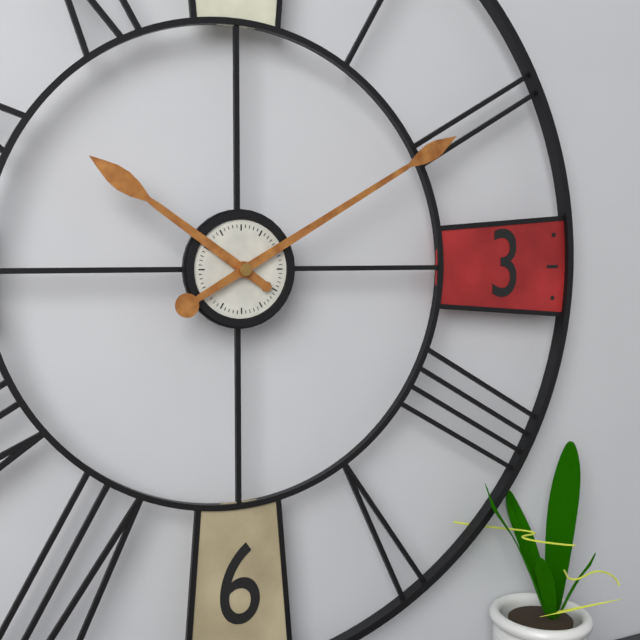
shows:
10,10
